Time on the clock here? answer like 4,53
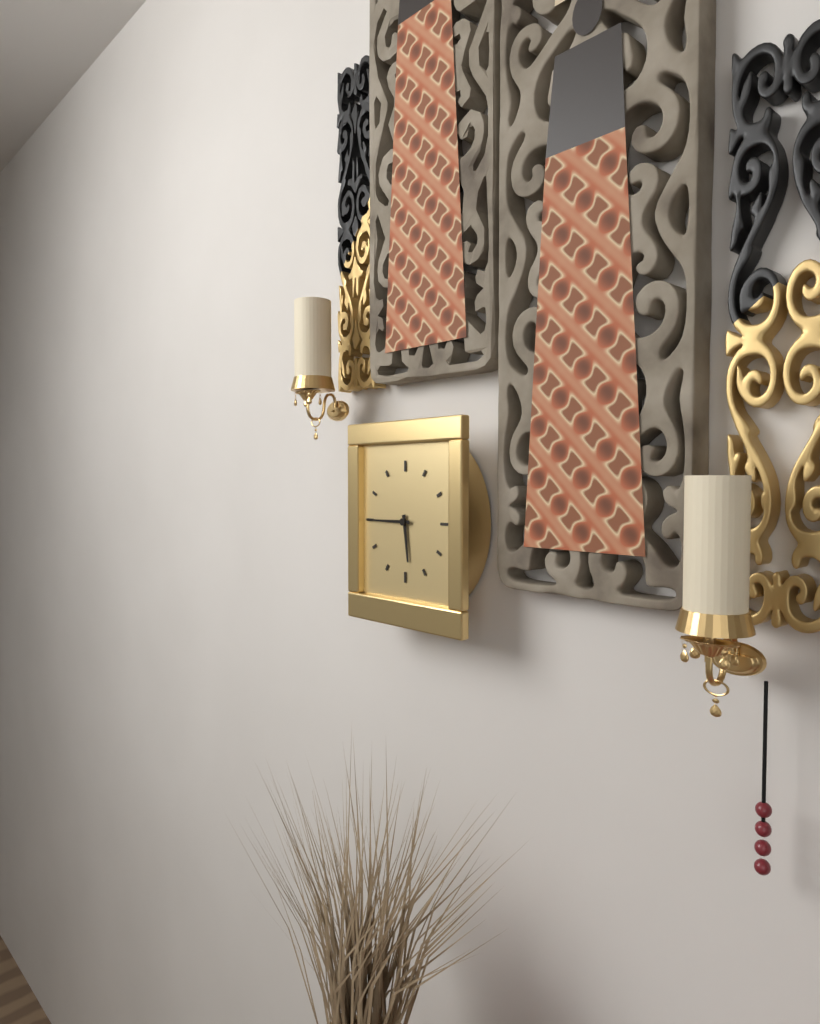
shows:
5,45
